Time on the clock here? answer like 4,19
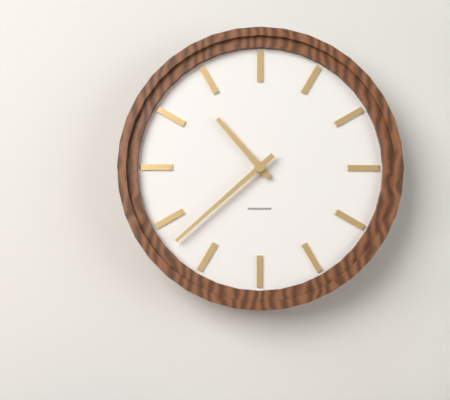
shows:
10,38
